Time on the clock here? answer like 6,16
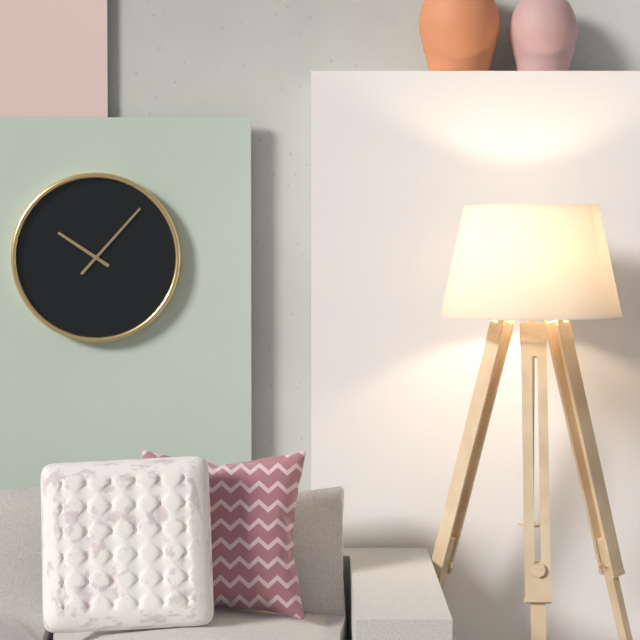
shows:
10,07
